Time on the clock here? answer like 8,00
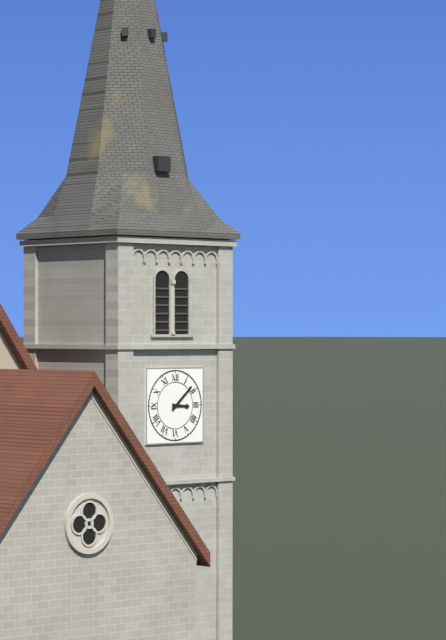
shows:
3,08
